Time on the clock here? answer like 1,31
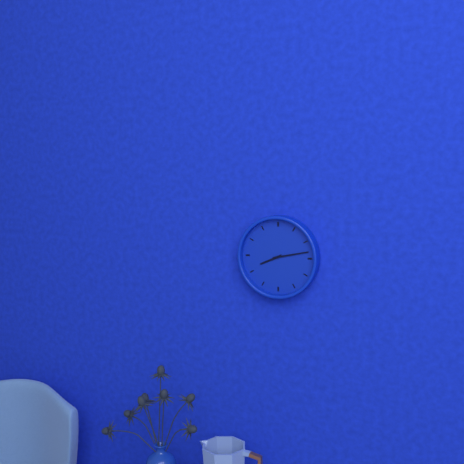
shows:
8,13
